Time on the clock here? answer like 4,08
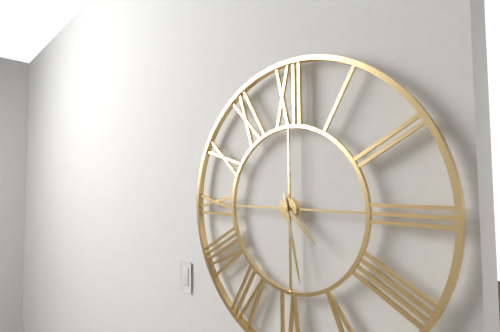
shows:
4,28
